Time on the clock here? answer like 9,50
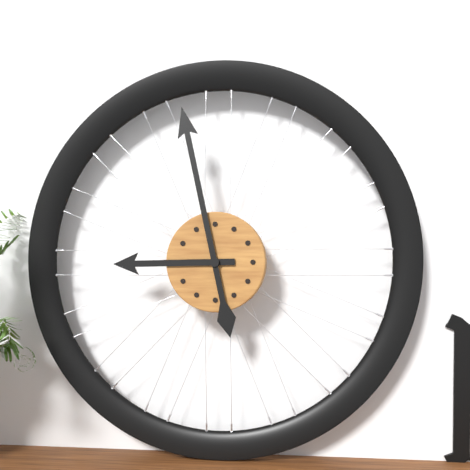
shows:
8,58
